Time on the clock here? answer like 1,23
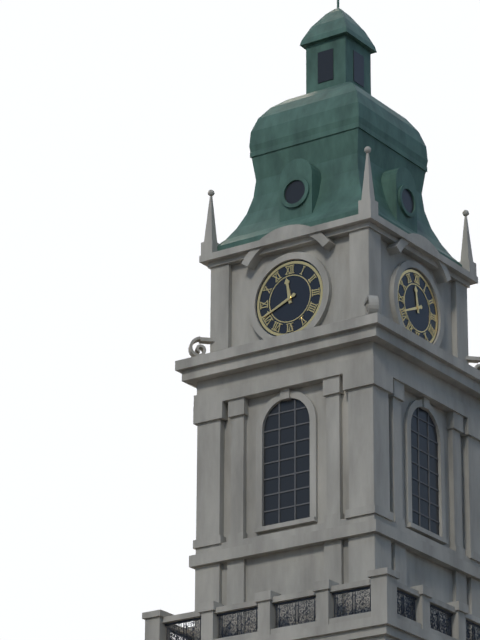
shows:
11,41
